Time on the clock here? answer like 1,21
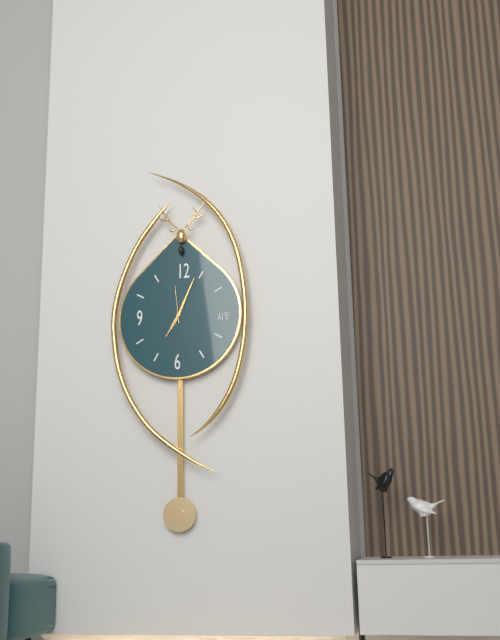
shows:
7,04
